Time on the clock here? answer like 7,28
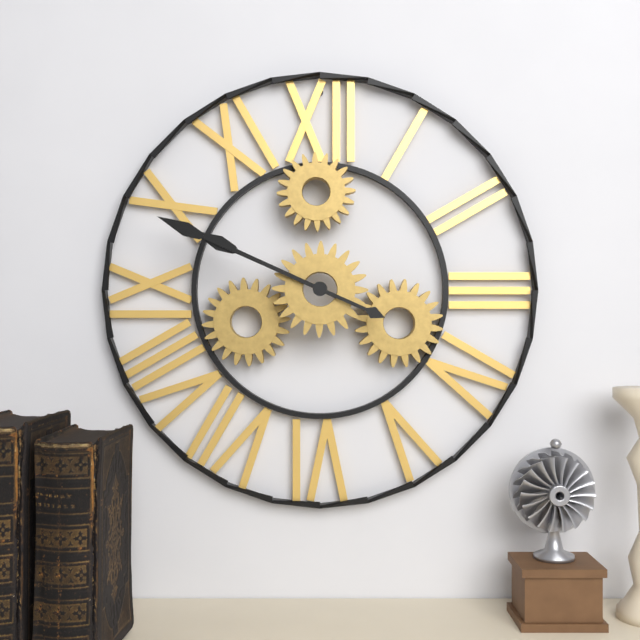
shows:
9,49
